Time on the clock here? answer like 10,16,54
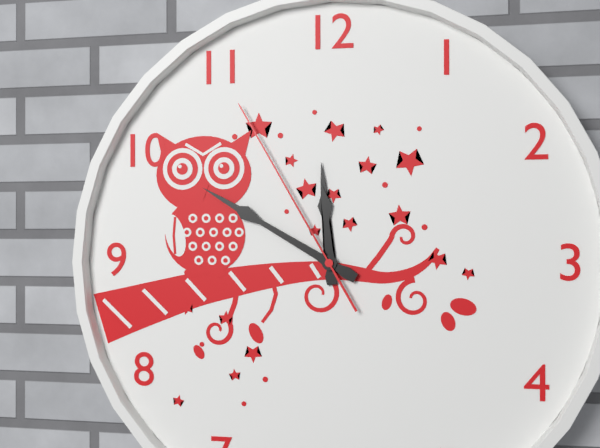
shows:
11,50,55
